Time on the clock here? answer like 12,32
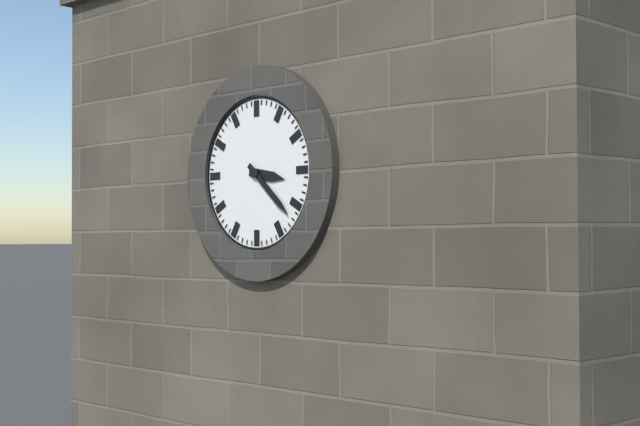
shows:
3,22
